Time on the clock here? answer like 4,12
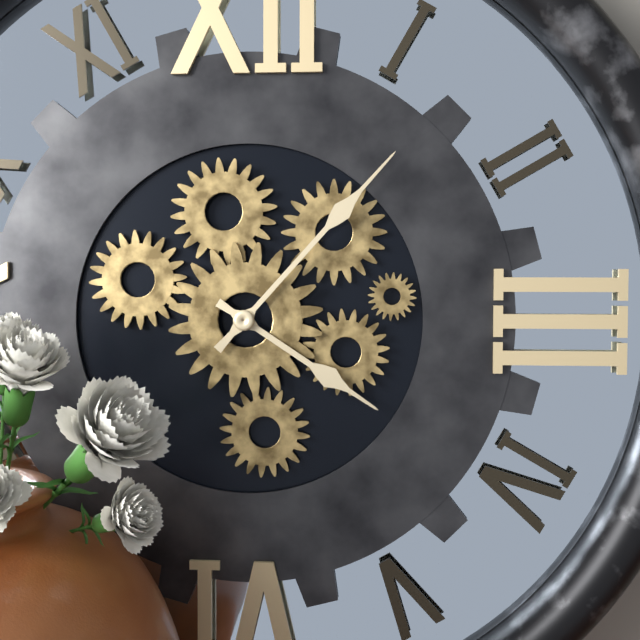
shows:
4,07
